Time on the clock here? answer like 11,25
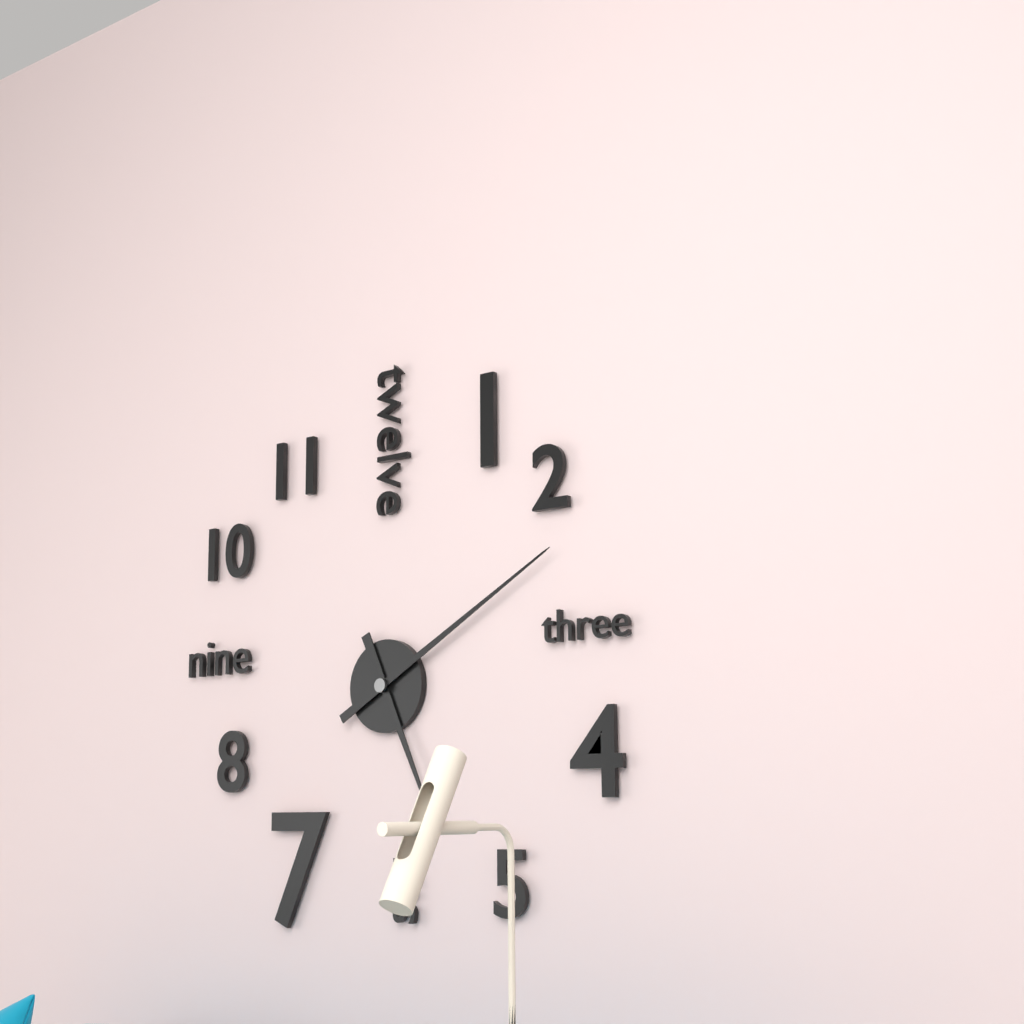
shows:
5,10
